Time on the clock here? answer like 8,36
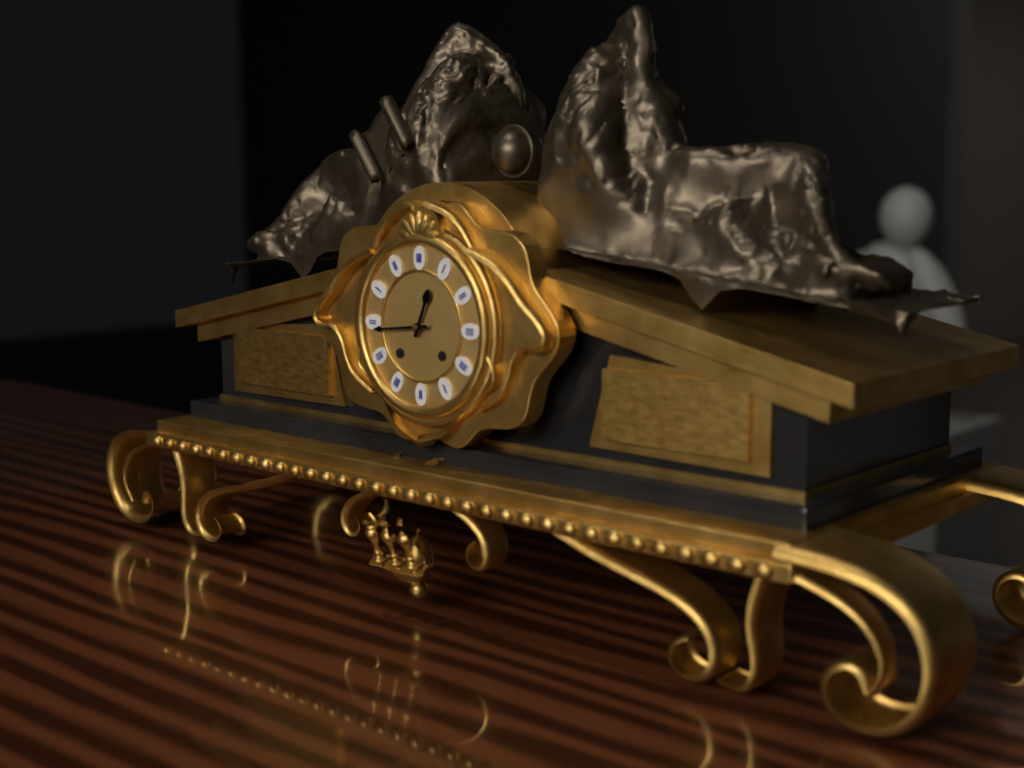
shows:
12,44
